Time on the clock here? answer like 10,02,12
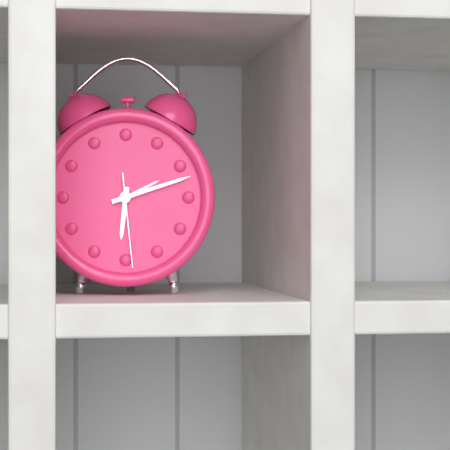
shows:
6,12,29
